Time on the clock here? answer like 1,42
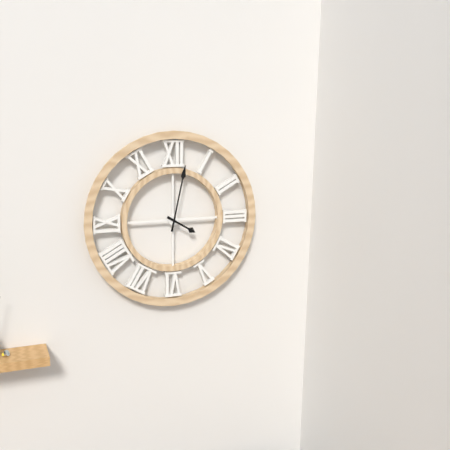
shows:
4,02
